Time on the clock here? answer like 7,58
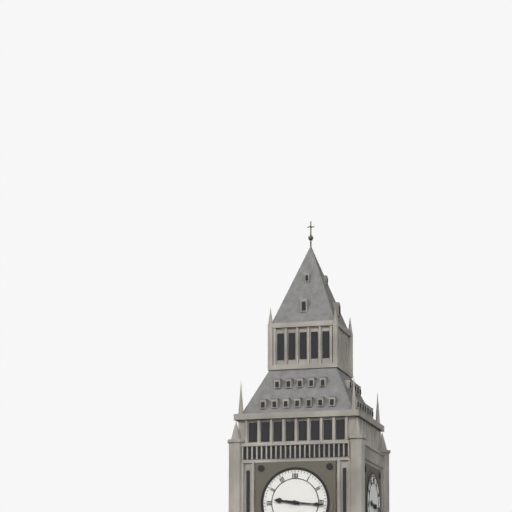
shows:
9,16
